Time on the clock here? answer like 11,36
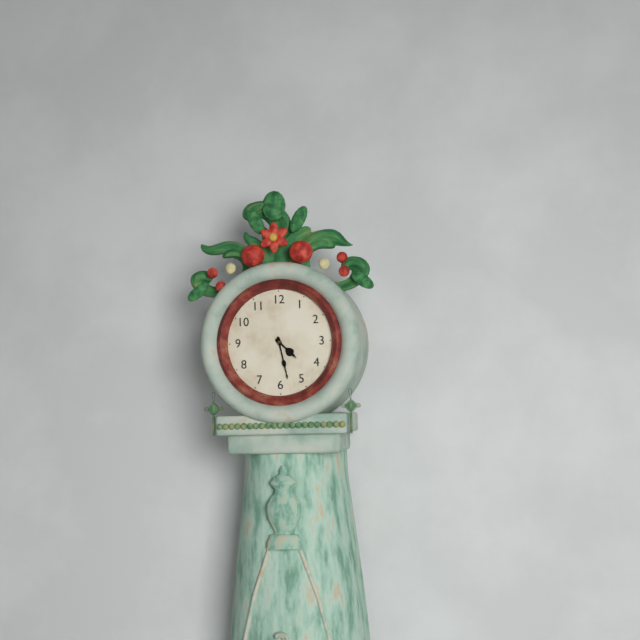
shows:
4,28
